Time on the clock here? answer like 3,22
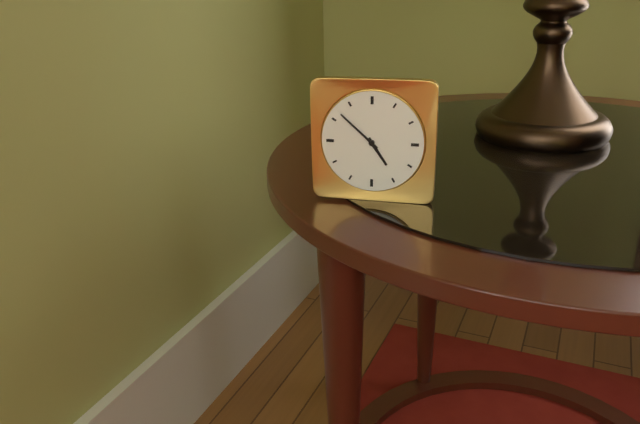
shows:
4,52
